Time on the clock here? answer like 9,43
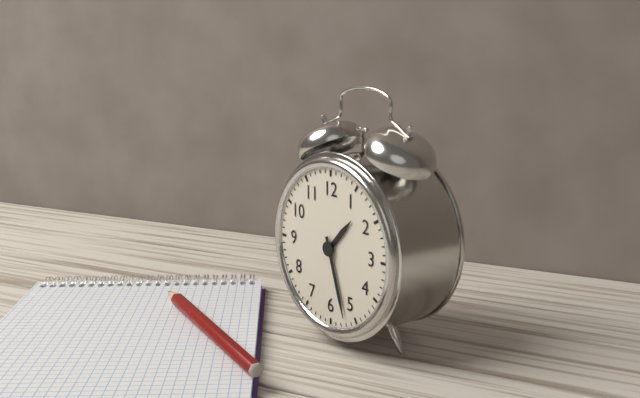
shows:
1,27
